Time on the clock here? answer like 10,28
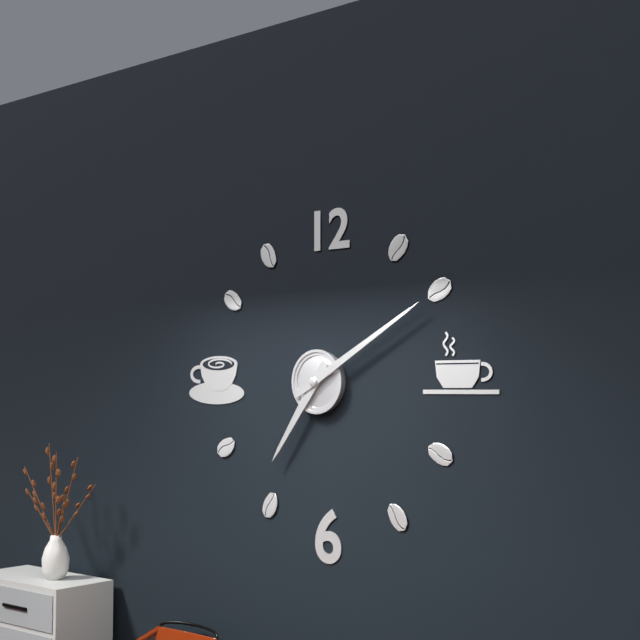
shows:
7,10
